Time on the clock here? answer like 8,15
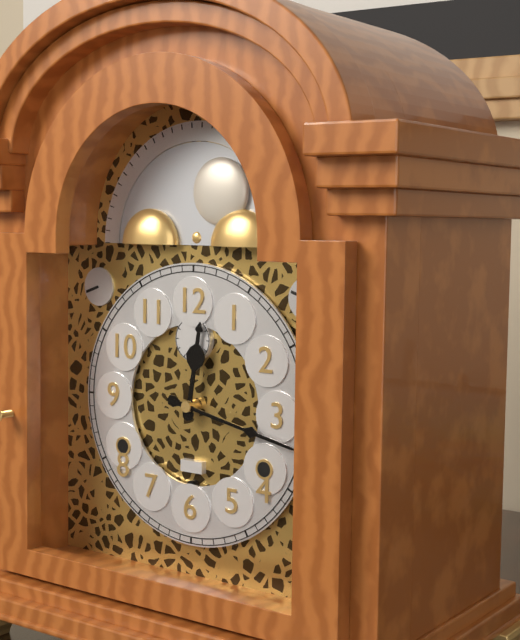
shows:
12,17
